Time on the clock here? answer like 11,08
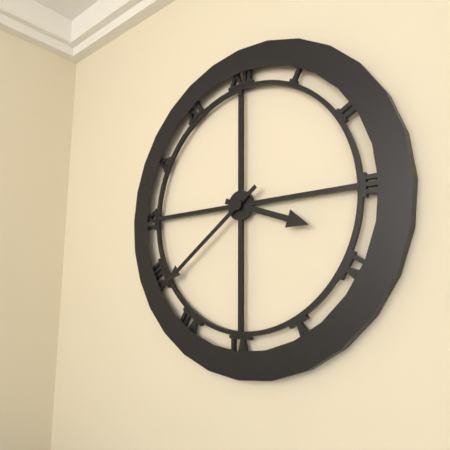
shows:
3,39
